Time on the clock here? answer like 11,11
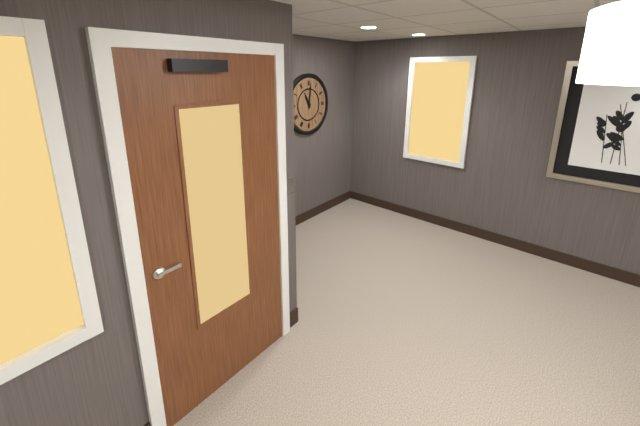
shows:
11,01
